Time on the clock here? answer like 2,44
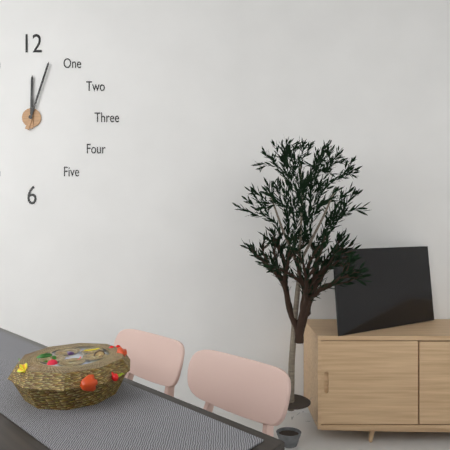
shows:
12,03
